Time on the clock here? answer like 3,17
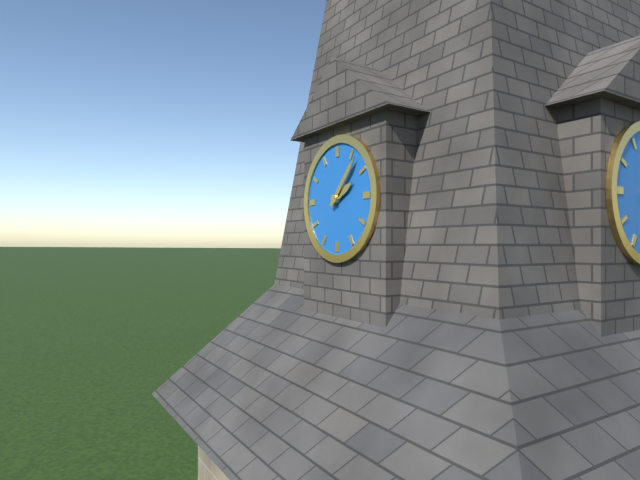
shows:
2,07
